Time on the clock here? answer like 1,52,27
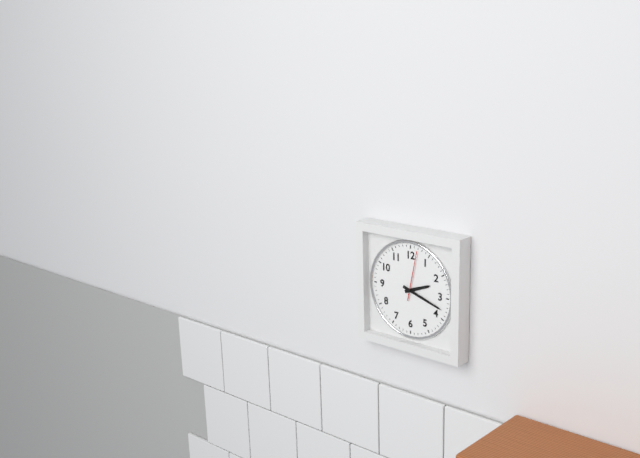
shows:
2,18,02
